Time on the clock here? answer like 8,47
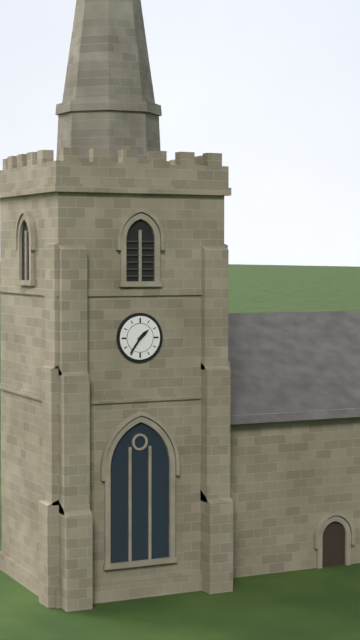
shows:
1,36
